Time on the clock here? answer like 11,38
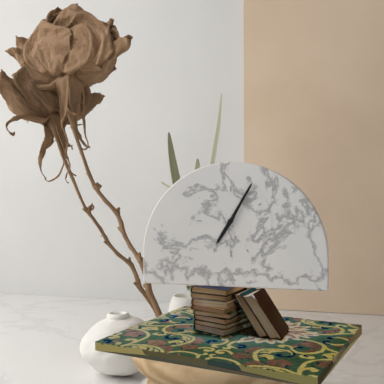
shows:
7,05
